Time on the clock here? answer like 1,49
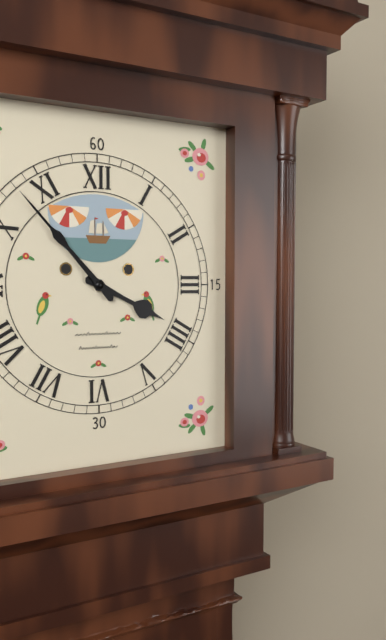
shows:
3,53
